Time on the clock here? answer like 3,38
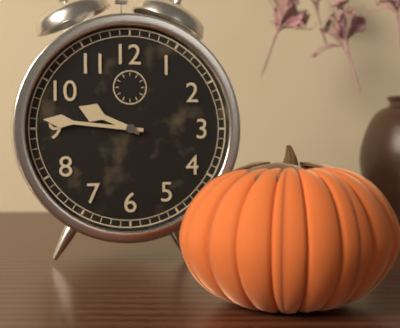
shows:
9,46
